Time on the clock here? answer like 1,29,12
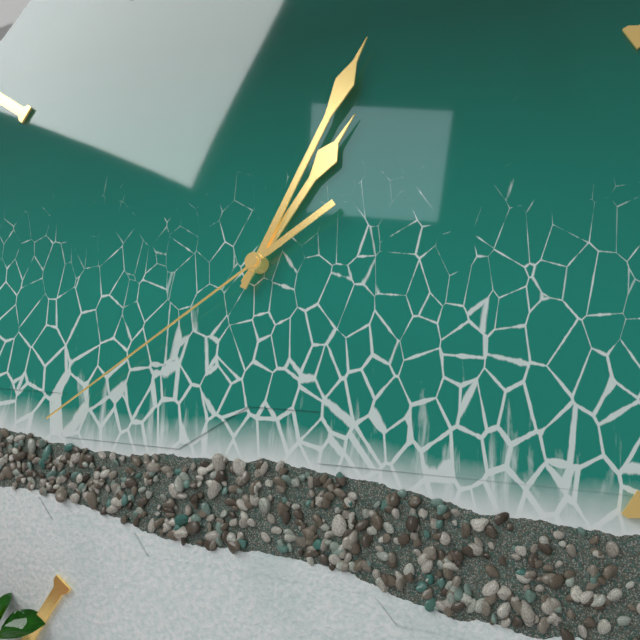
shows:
1,04,39
